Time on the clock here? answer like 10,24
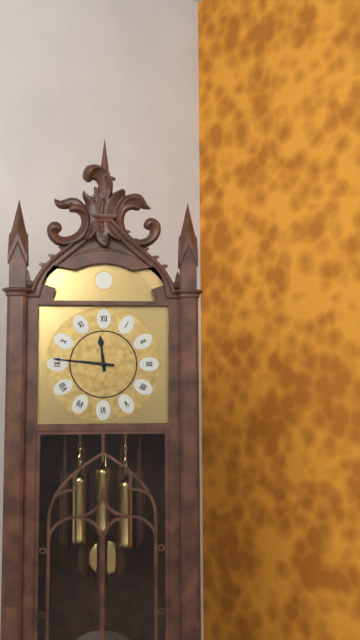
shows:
11,46
